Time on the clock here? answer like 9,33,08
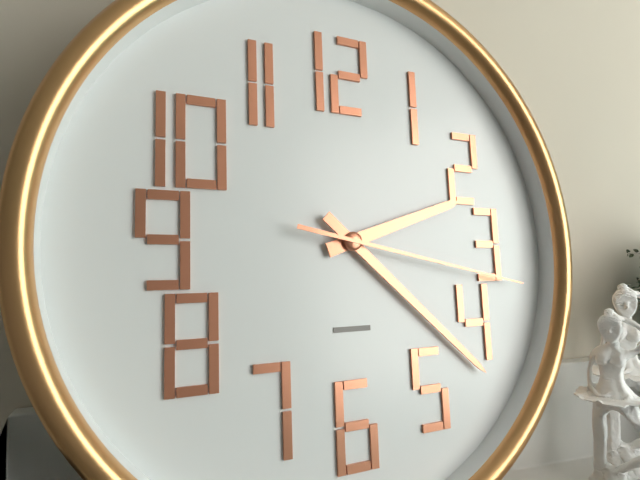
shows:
2,22,17
